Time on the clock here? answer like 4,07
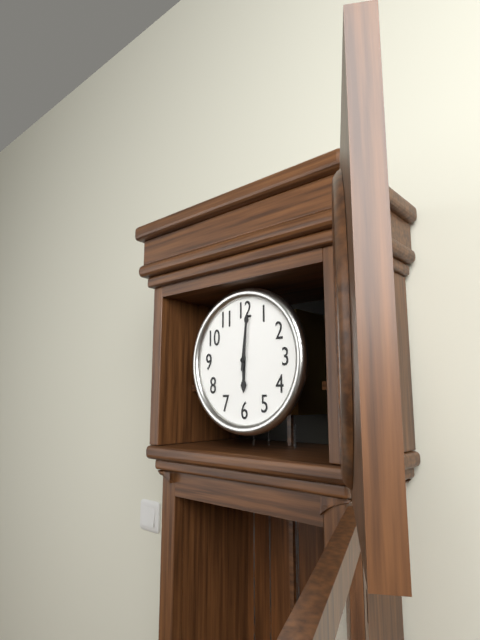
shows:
6,01
